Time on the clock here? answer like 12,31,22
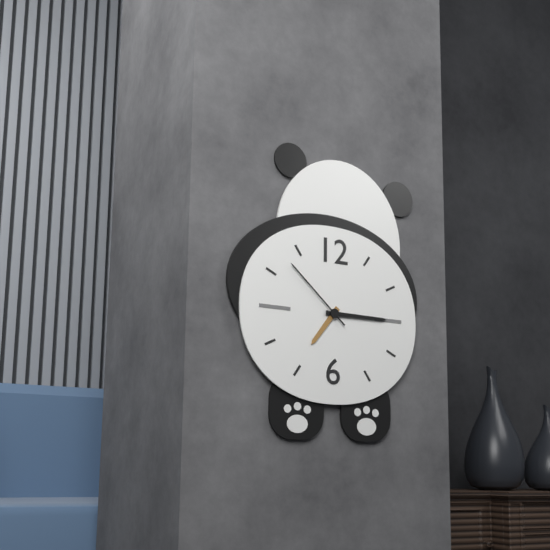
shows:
7,15,52
